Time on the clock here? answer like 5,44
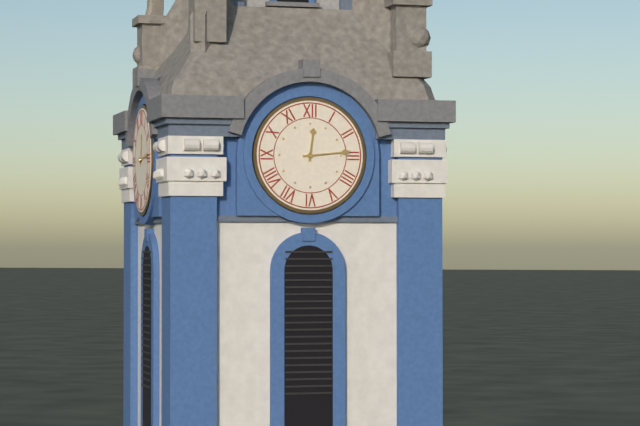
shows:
12,14
